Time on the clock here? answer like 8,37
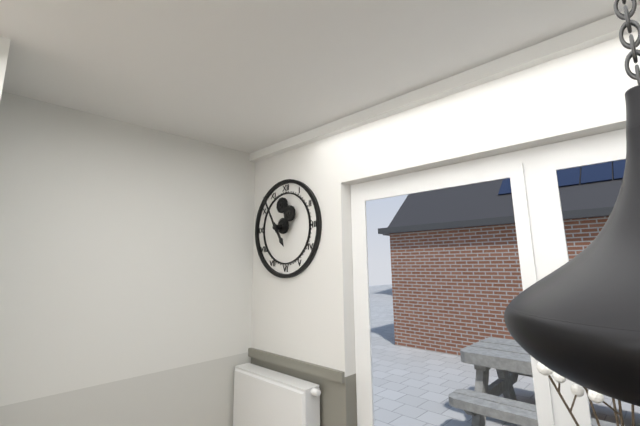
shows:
4,55
